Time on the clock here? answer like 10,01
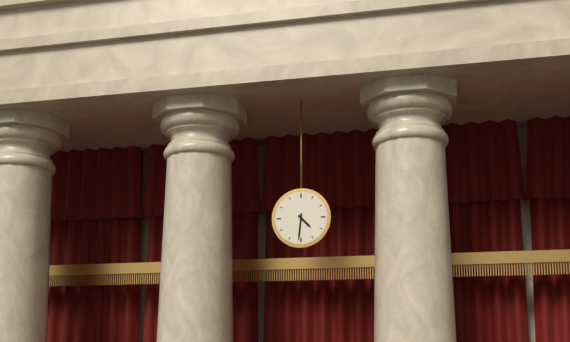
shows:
4,31
